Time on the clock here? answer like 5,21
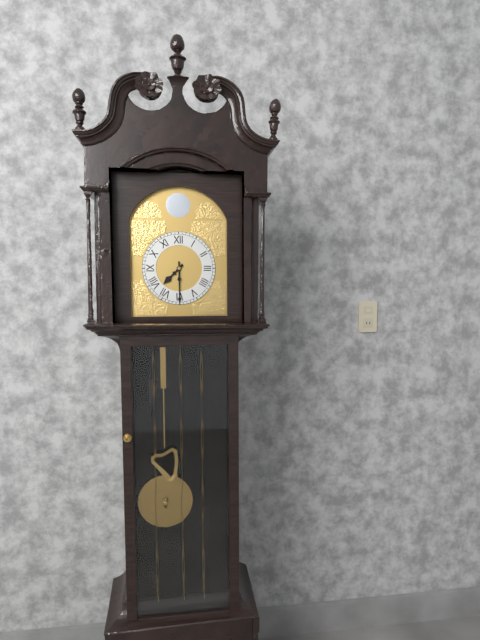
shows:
7,30
